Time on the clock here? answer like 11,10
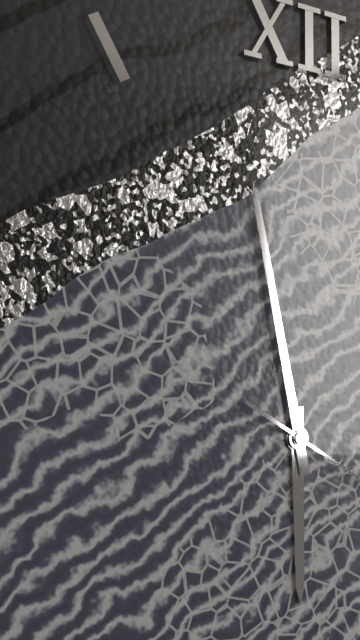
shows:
5,58
